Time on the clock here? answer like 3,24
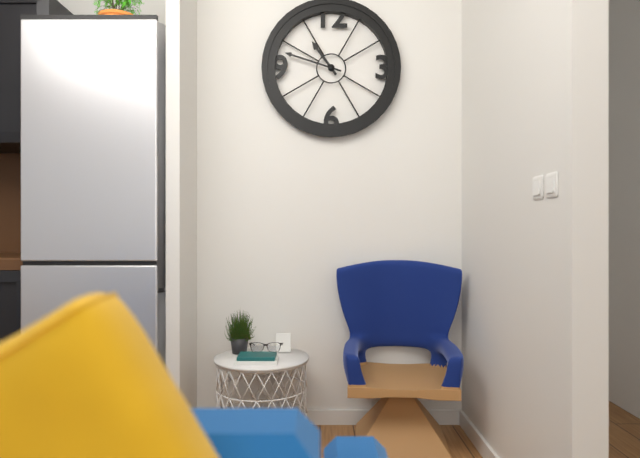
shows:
10,48
